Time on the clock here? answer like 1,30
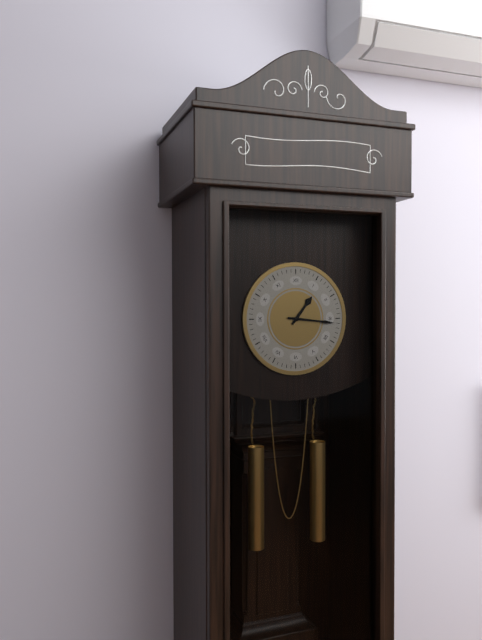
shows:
1,16
